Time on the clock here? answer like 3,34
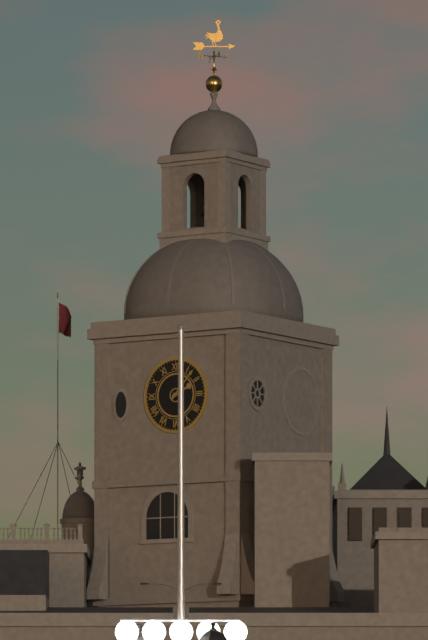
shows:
2,07
